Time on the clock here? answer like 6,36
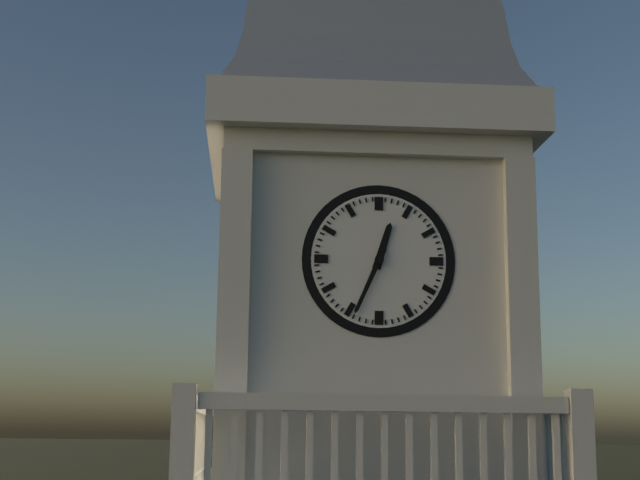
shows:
12,34
